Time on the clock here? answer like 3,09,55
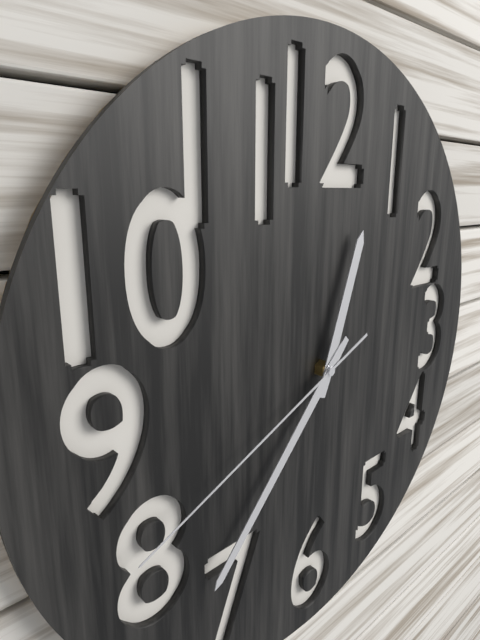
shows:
12,37,41
